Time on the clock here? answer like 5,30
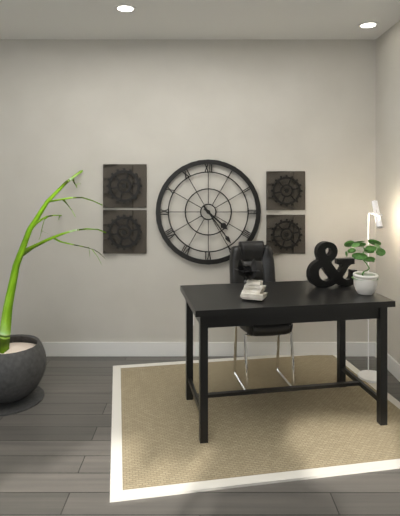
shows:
4,24
